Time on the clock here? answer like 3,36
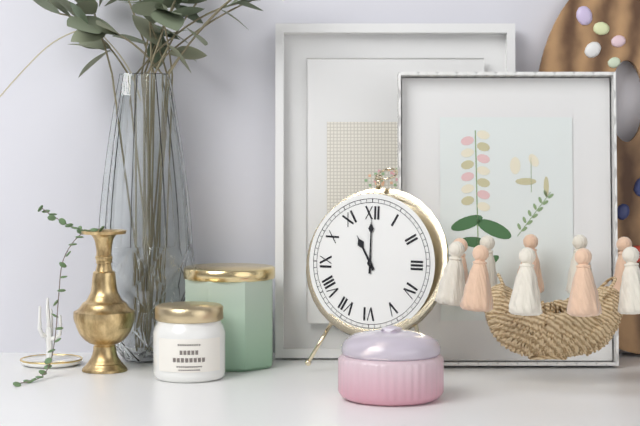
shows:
11,00
